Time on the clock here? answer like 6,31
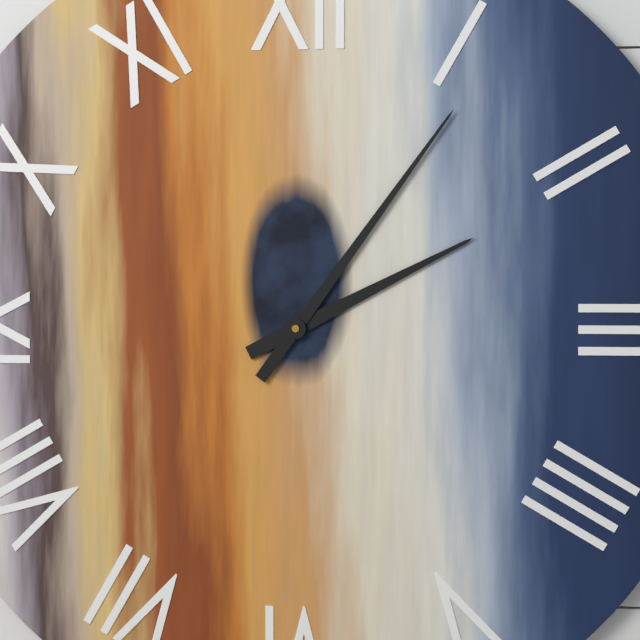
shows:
2,06
